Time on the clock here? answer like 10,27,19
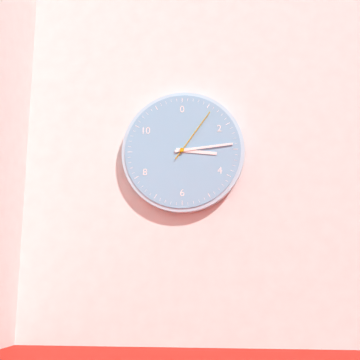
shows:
3,14,06
